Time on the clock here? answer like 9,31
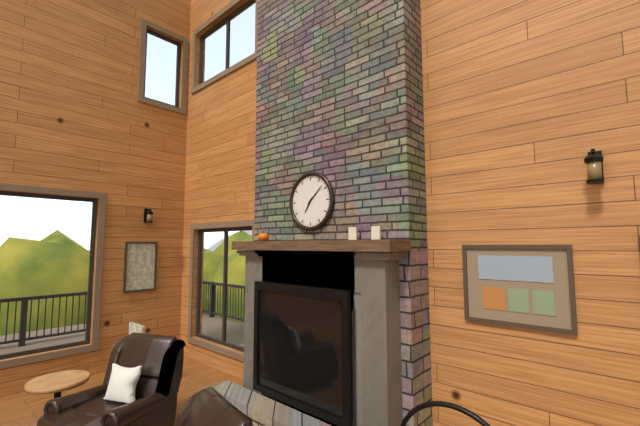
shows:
7,08
